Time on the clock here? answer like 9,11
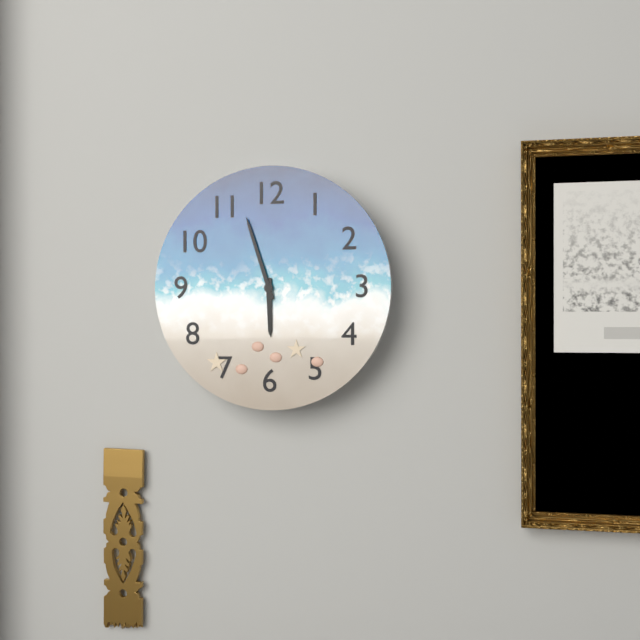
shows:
5,57
